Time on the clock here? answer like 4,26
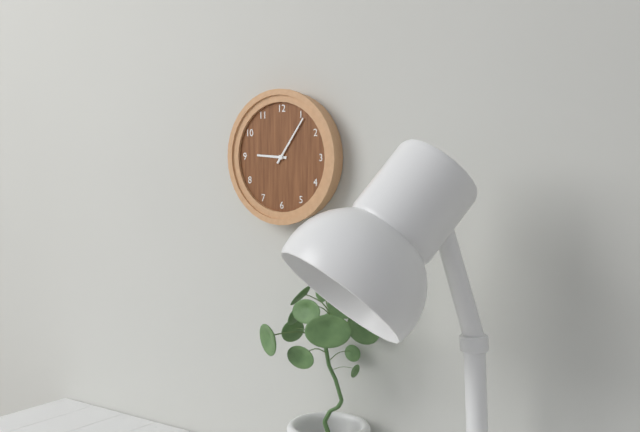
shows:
9,06
